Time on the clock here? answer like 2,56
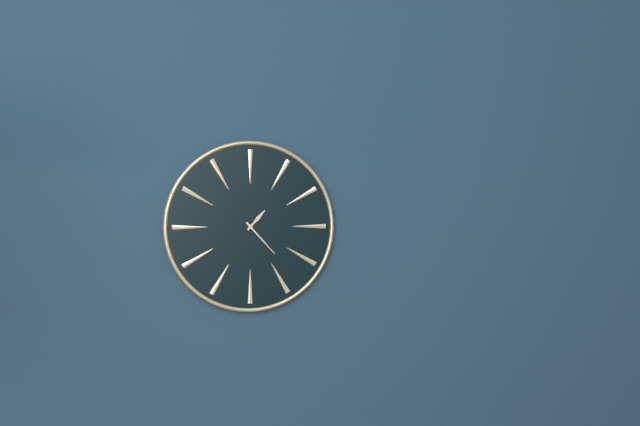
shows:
1,23
